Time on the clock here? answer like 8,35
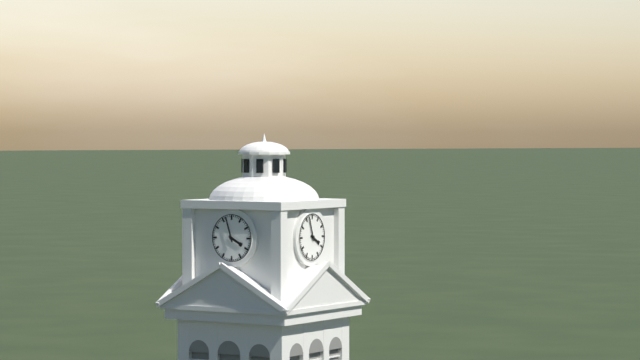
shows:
3,57
